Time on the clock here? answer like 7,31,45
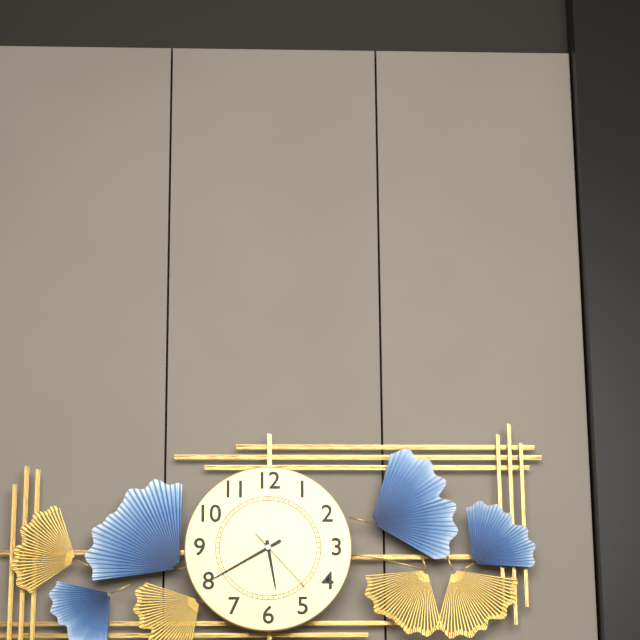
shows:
5,40,23
